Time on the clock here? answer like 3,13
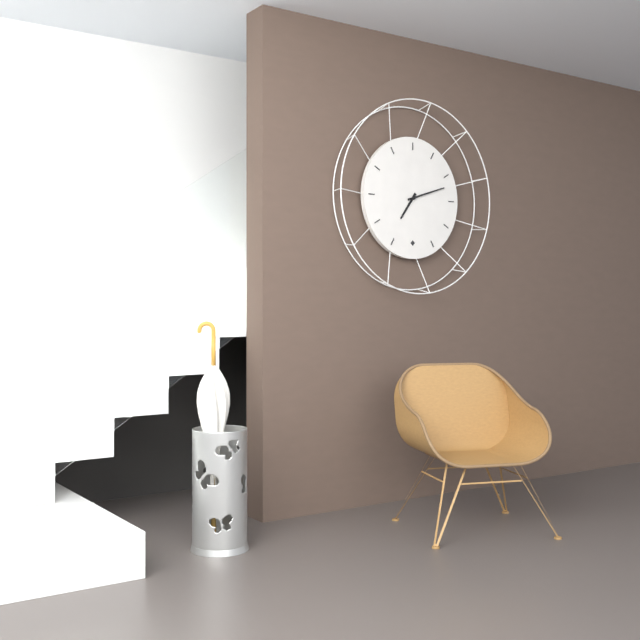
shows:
7,12
